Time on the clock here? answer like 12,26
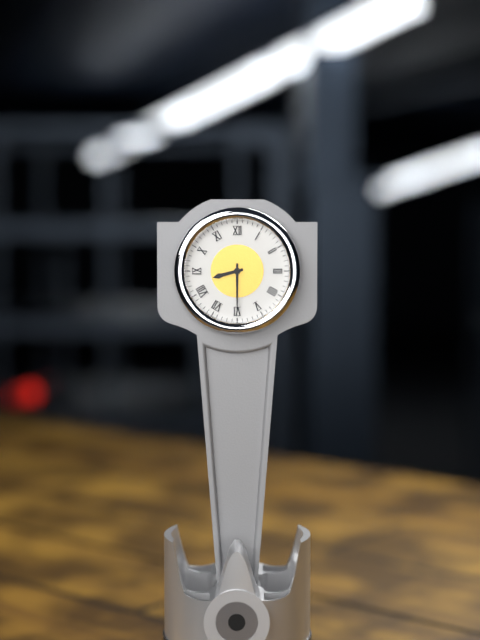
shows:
8,30
